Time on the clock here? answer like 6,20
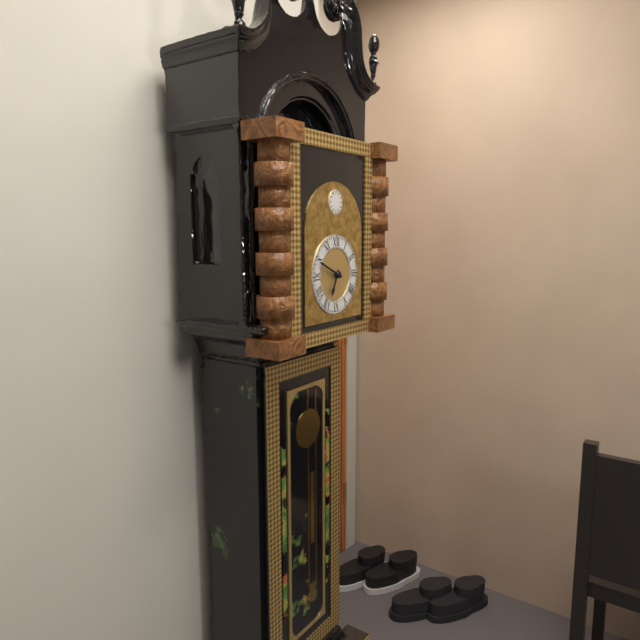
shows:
6,49
